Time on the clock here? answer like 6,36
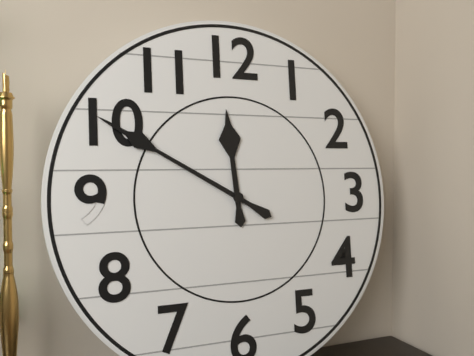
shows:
11,50
